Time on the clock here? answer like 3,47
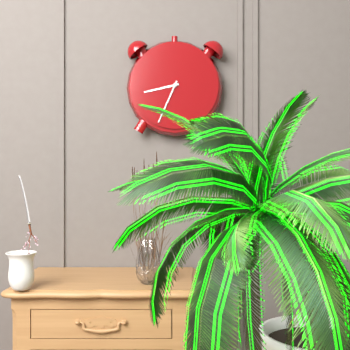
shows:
8,34
